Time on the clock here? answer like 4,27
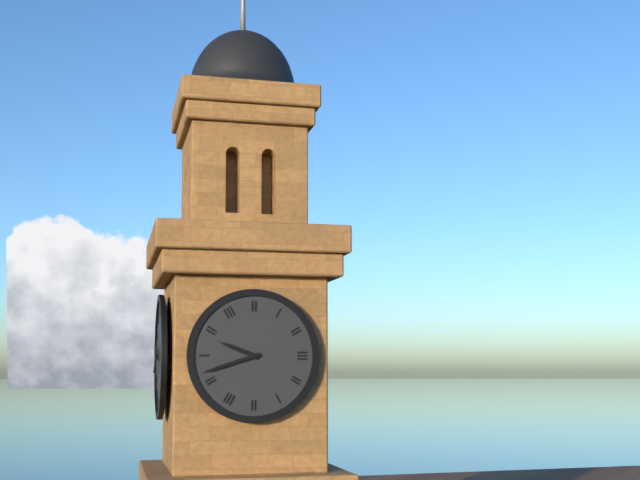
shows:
9,42
